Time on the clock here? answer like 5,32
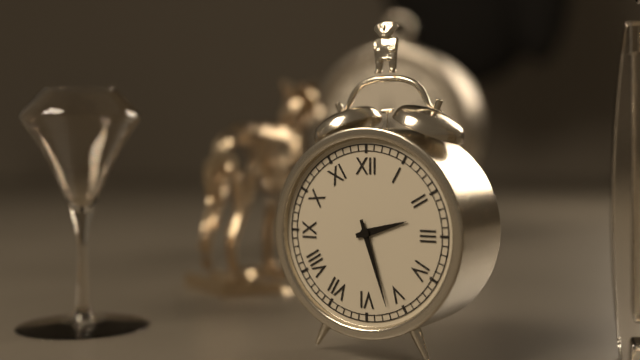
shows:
2,27
